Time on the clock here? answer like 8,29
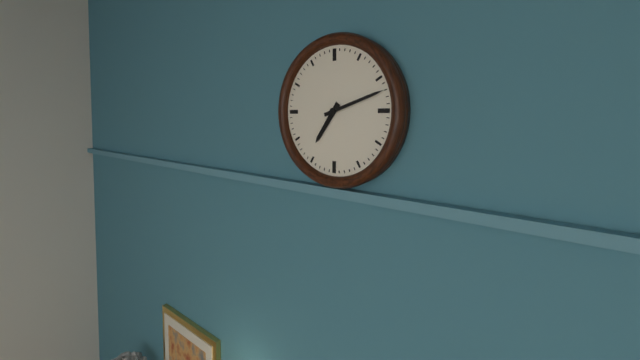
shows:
7,12
